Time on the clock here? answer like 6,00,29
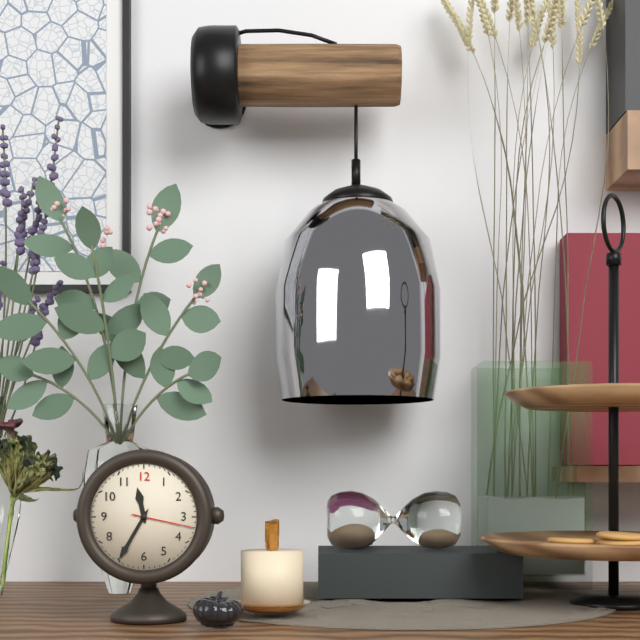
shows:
11,35,17
